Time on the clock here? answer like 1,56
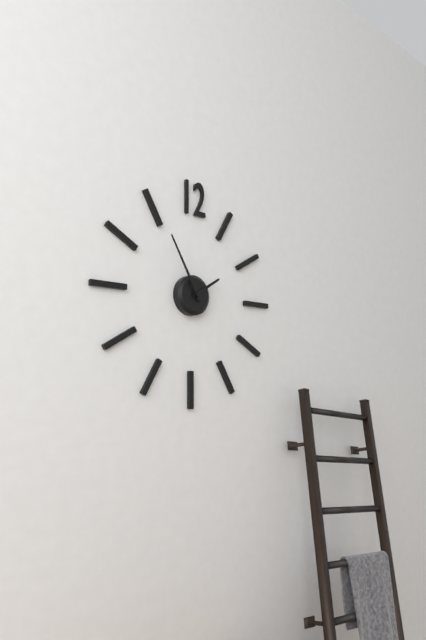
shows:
1,55
